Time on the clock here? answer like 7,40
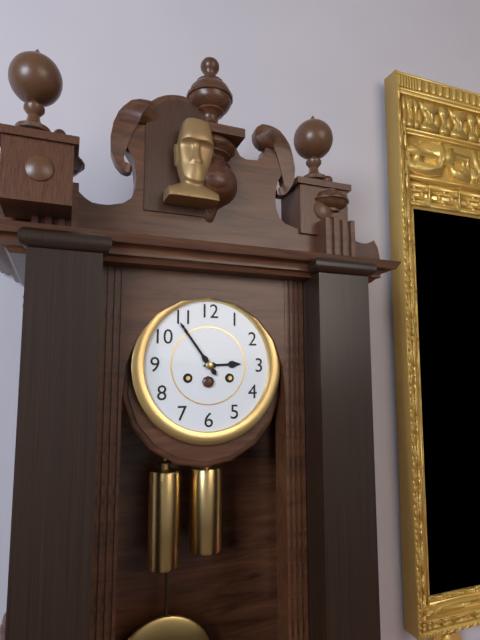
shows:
2,54
